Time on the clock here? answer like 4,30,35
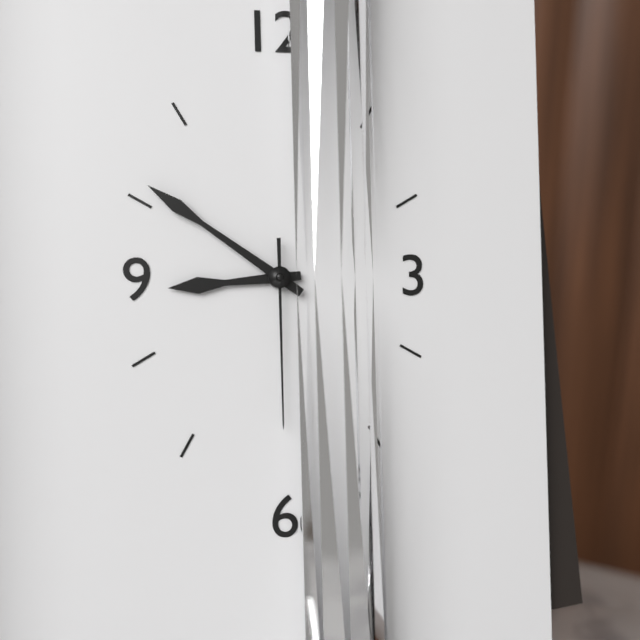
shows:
8,51,30
